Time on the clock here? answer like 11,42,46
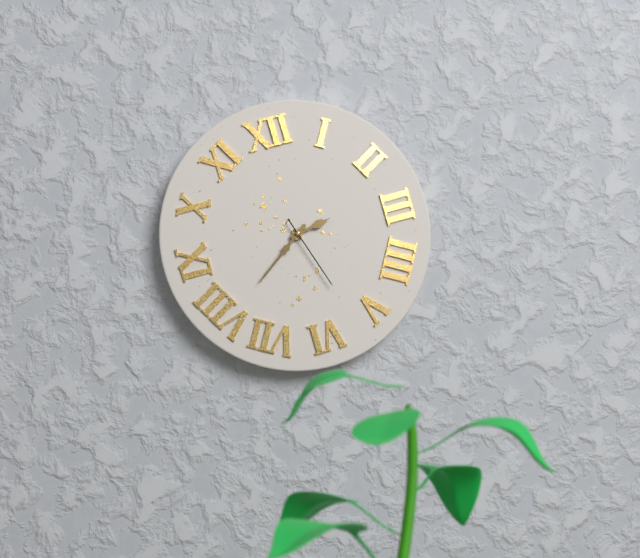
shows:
2,39,27
